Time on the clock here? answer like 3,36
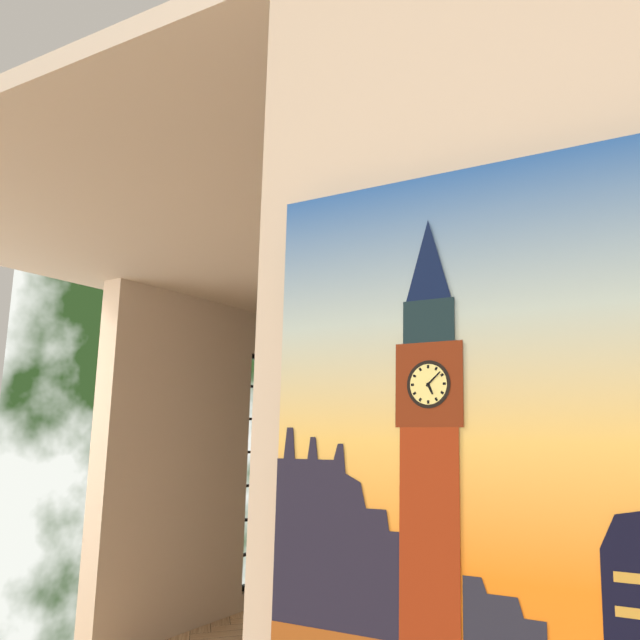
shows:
5,08
